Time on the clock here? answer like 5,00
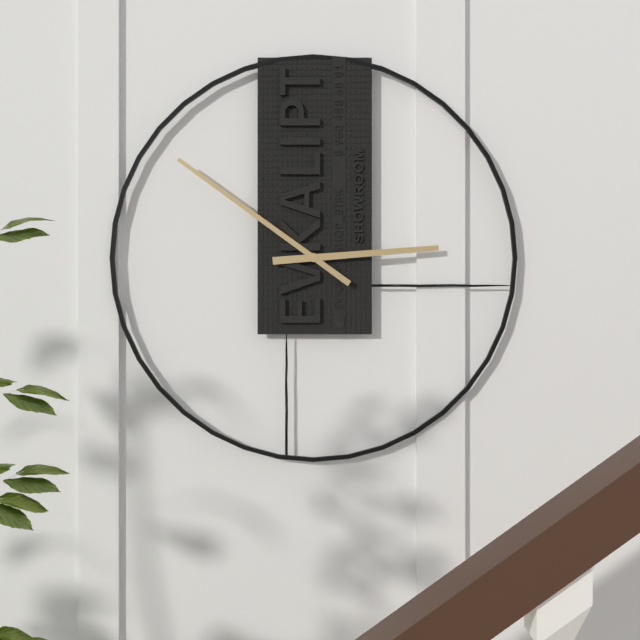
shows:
2,51
